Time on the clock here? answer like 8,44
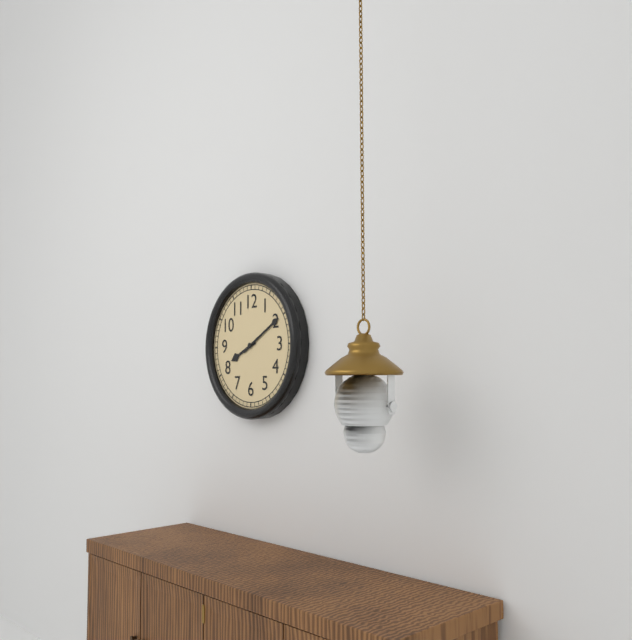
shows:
8,10
